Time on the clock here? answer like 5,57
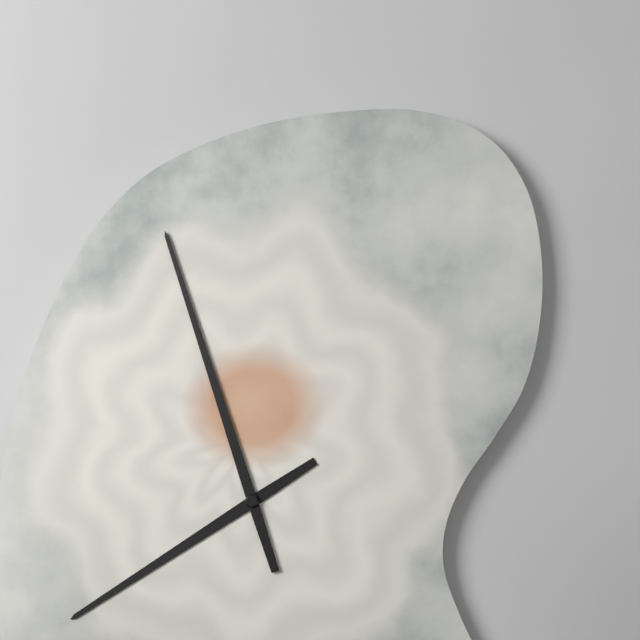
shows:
7,57
